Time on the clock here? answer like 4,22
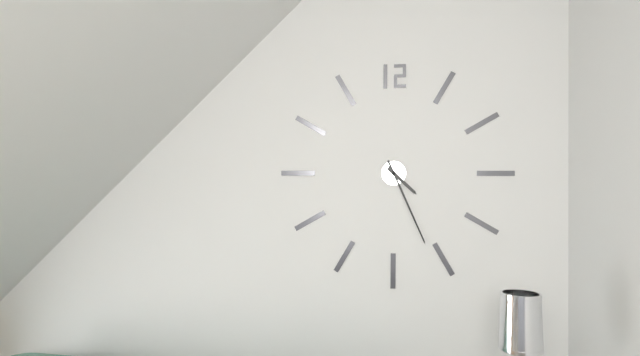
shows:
4,26
